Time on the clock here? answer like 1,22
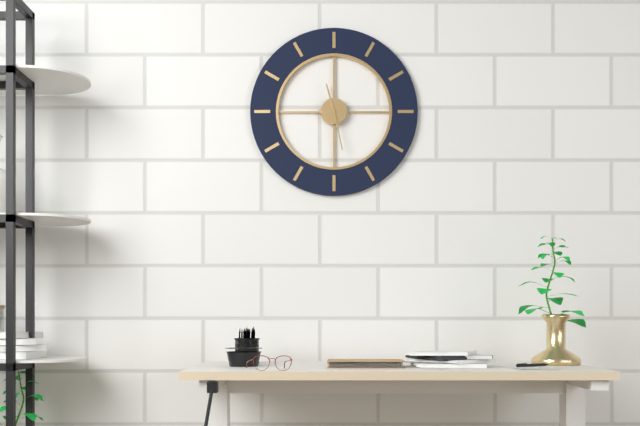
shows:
11,28
